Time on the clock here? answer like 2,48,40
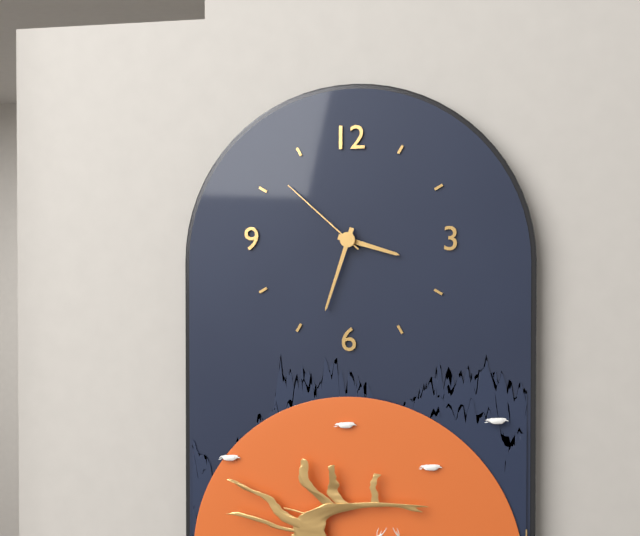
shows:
3,33,52
